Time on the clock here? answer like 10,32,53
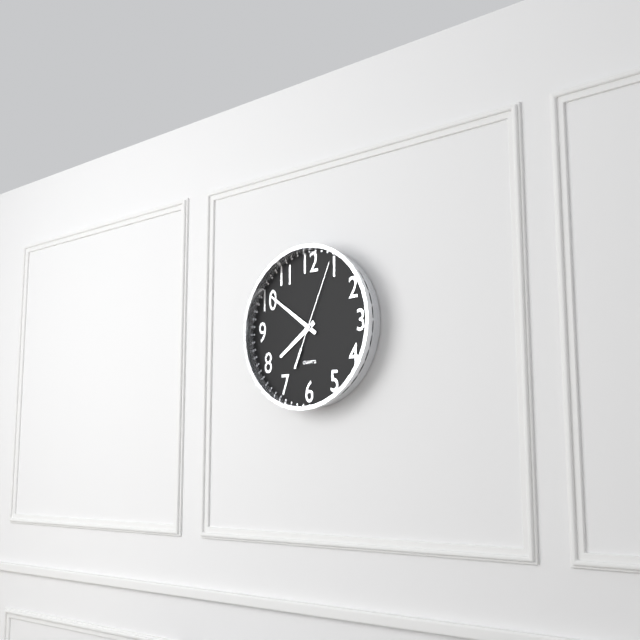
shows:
7,51,04
